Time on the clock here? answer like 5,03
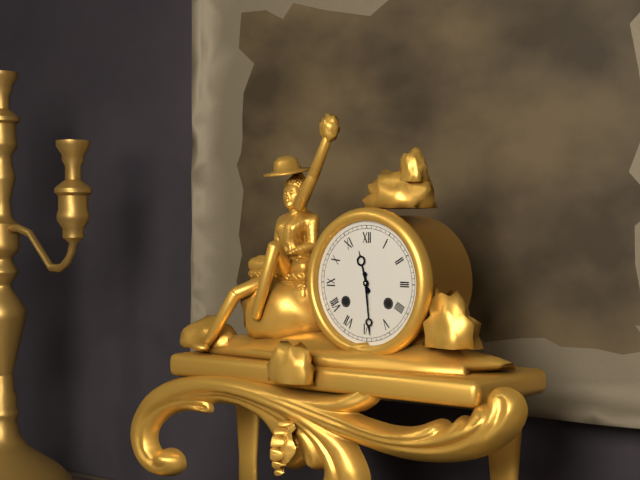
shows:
11,29
